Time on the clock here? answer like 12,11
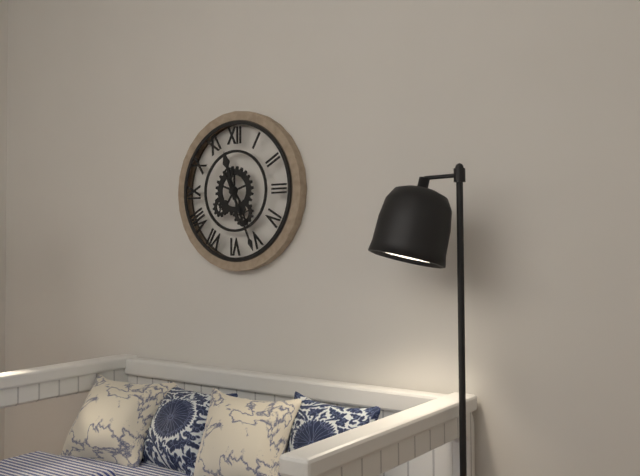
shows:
11,26
